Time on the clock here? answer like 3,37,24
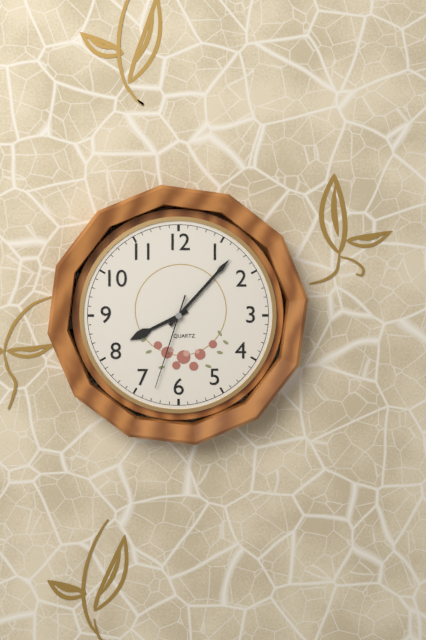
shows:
8,07,33
